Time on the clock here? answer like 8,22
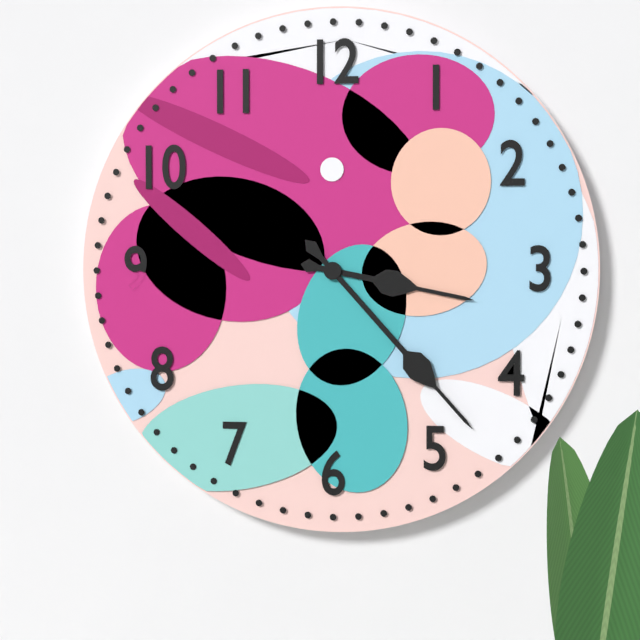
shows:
3,23
